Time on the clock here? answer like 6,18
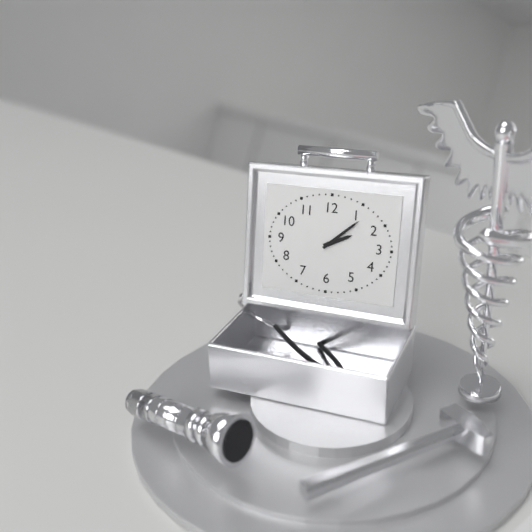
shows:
2,08
